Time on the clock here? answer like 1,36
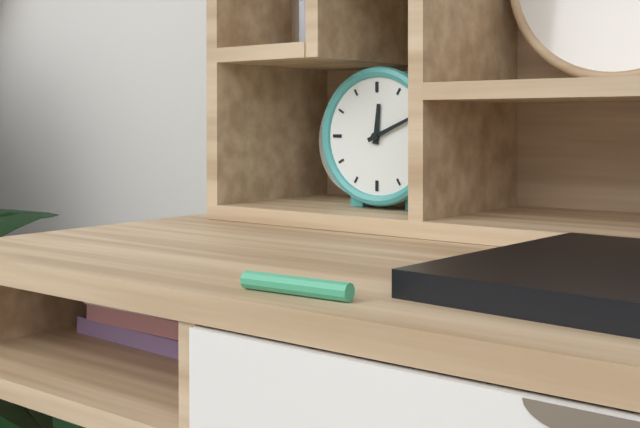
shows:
12,11
